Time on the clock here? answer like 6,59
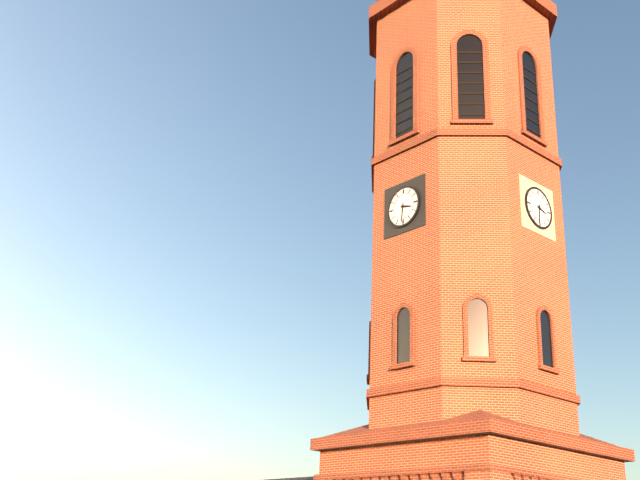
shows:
3,31
